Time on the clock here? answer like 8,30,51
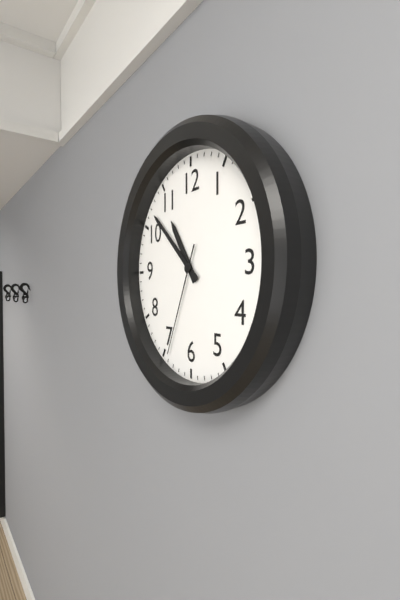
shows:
10,52,34
